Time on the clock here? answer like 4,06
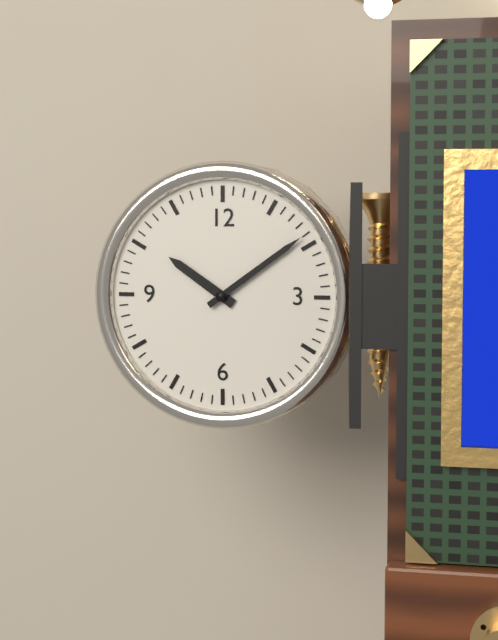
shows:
10,09
